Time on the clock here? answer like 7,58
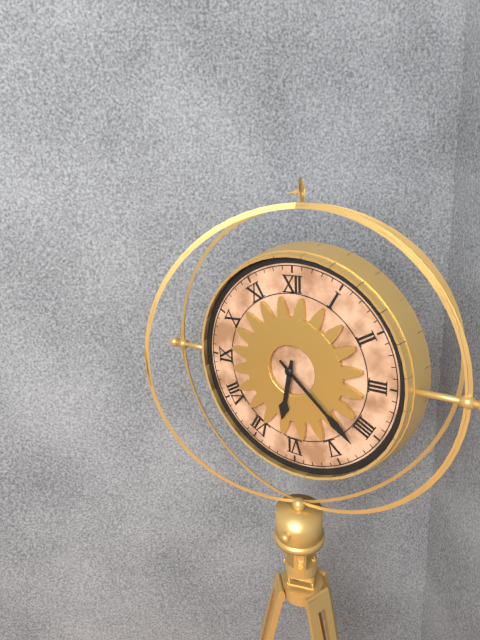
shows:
6,22
